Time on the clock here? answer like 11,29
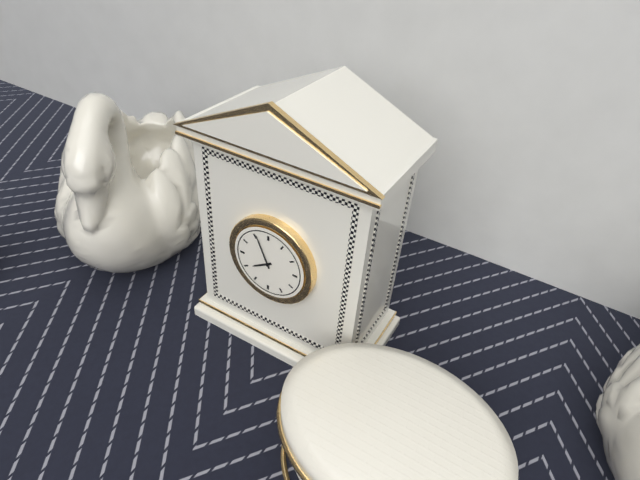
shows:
7,56
